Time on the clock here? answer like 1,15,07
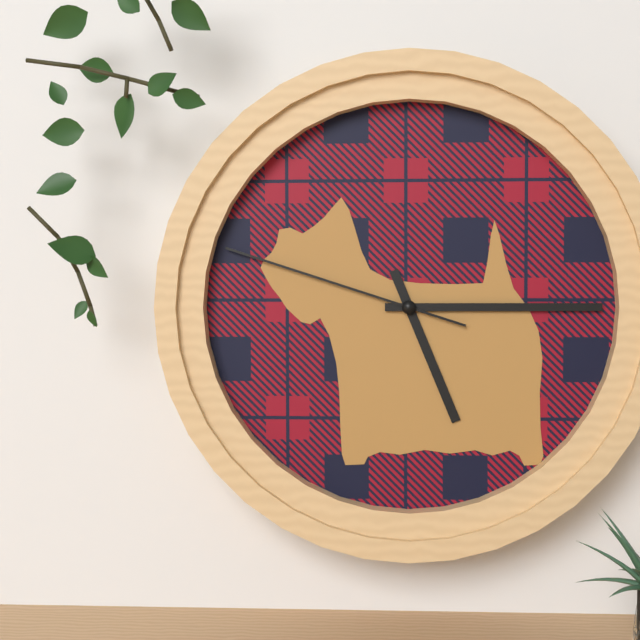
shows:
5,15,48
